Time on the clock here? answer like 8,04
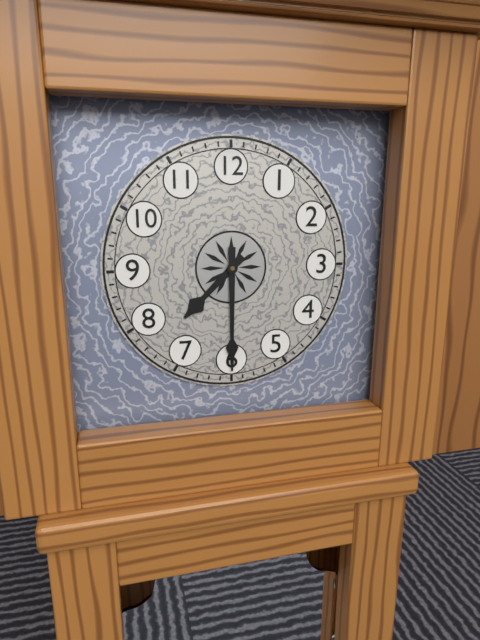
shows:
7,30
